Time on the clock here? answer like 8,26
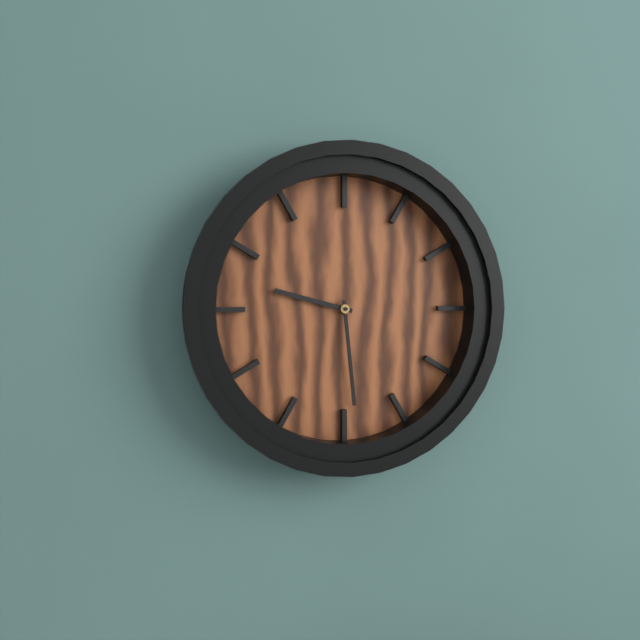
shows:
9,29
